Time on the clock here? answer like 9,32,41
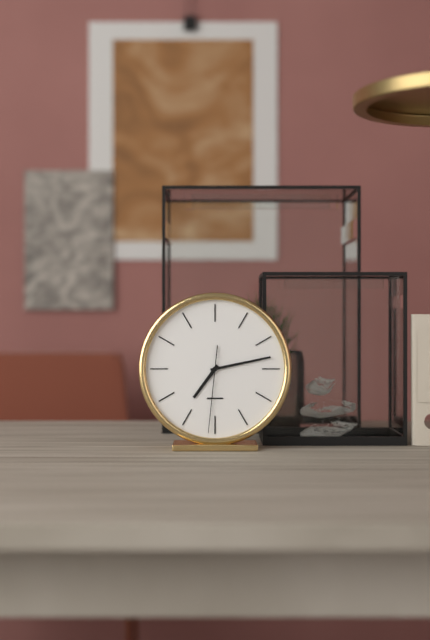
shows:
7,13,31
